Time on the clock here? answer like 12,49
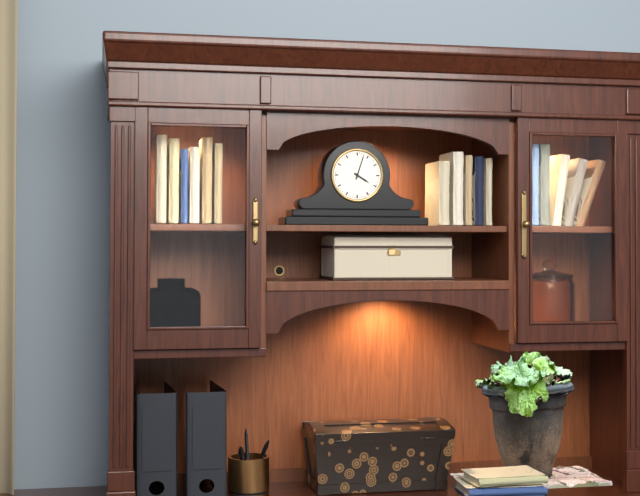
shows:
4,03
